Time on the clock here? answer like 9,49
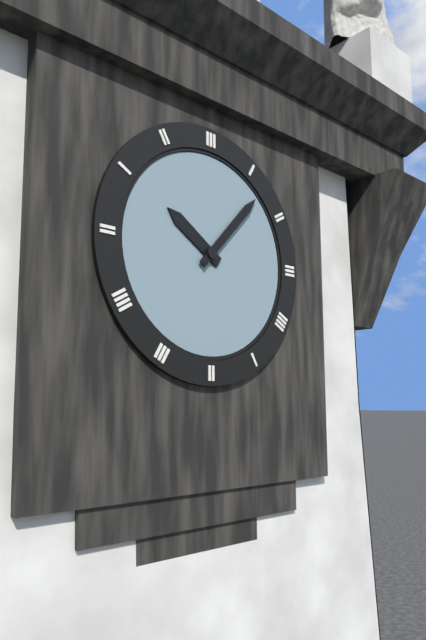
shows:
10,07
